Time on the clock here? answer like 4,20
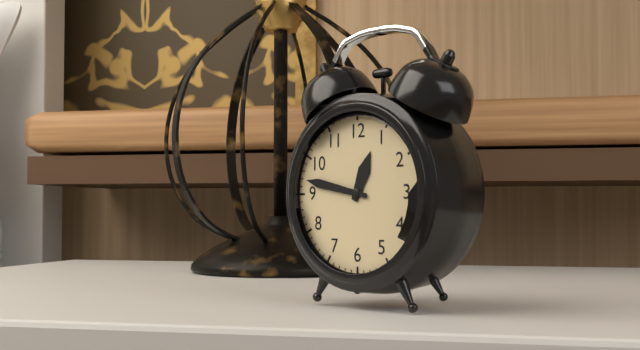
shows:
12,47
